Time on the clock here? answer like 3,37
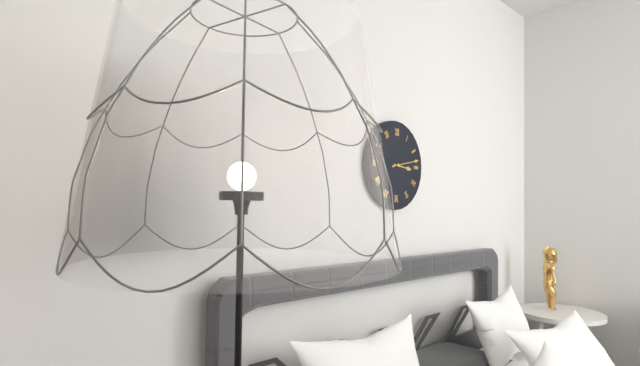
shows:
3,13
